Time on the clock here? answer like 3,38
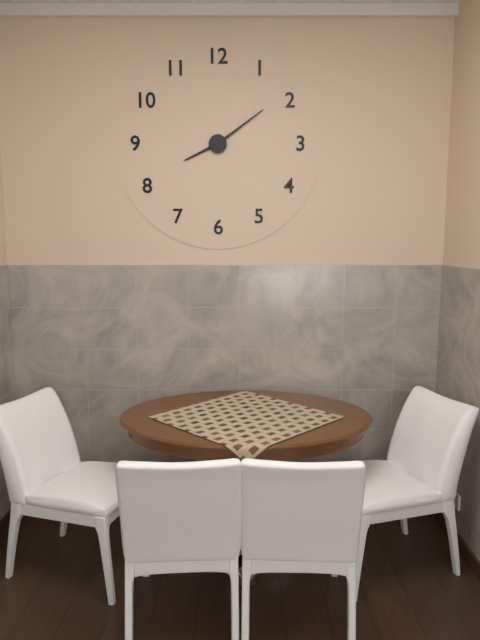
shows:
8,09
